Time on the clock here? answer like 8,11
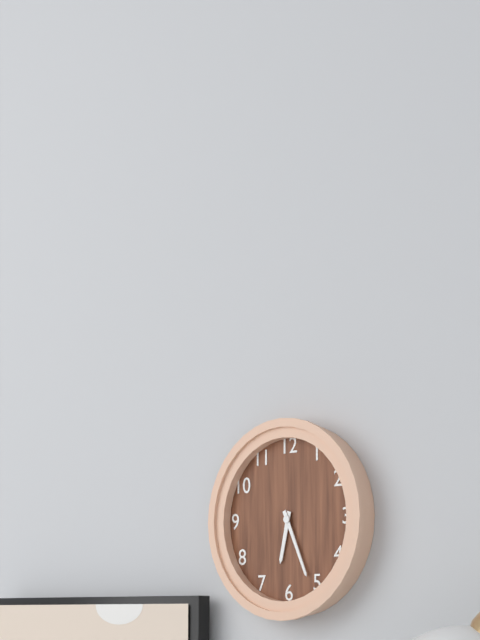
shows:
6,26
